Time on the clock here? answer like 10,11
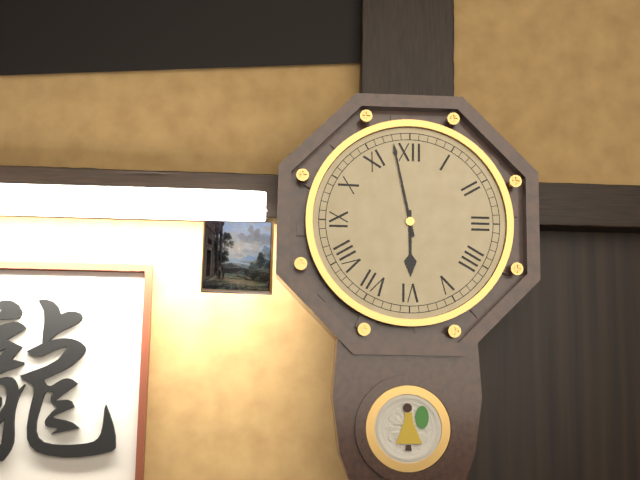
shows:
5,58
